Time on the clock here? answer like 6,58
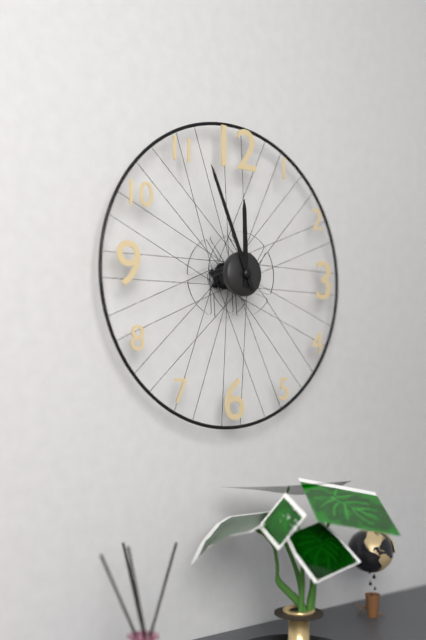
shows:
11,56
